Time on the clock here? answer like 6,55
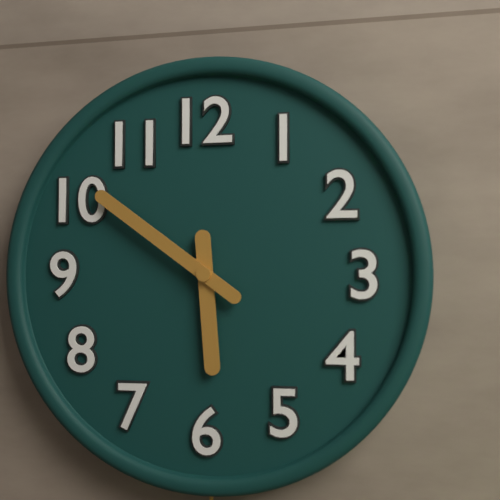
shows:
5,51
